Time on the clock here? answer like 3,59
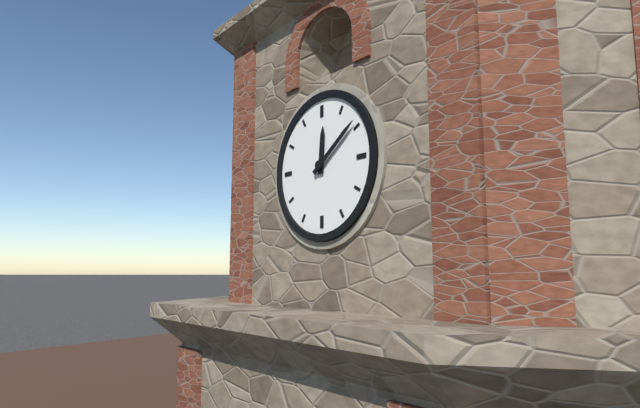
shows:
12,09
